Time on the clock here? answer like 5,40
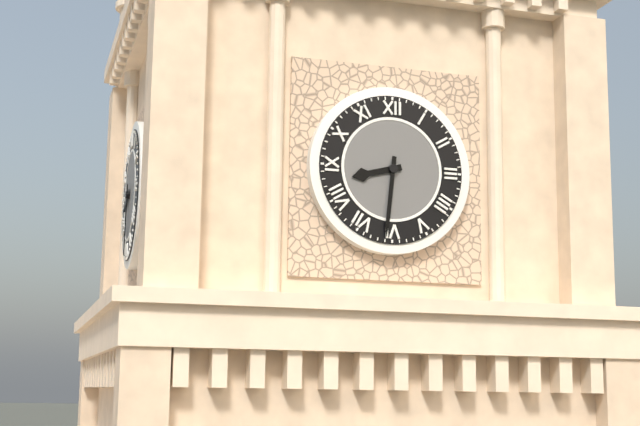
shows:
8,31
